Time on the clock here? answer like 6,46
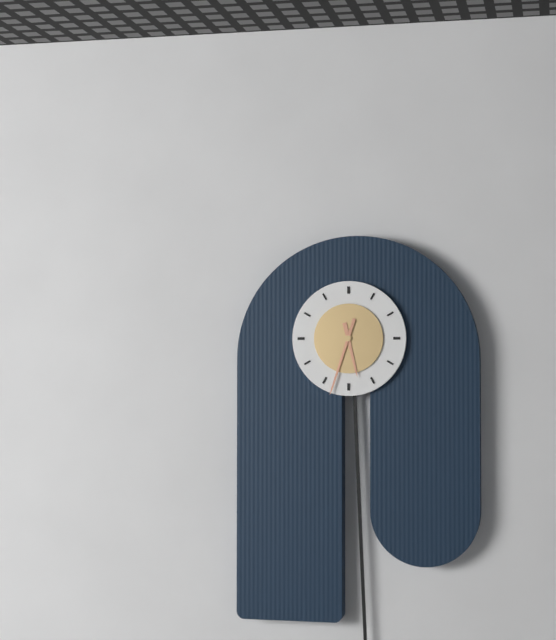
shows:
5,33
